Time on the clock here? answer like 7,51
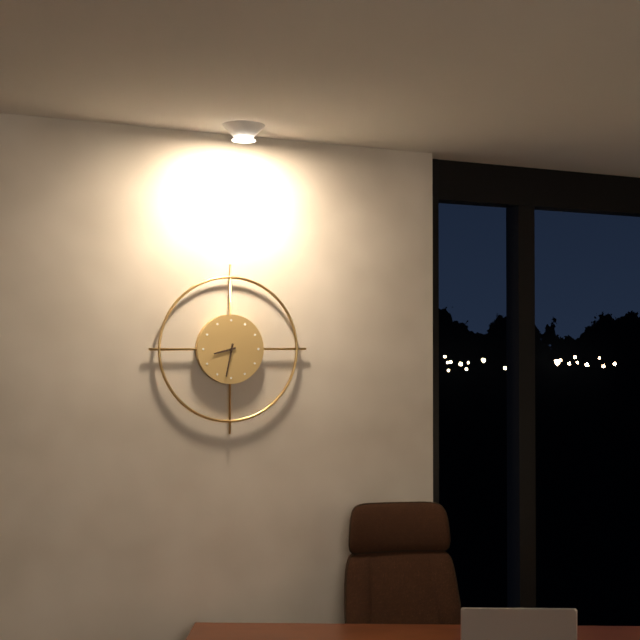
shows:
8,32
